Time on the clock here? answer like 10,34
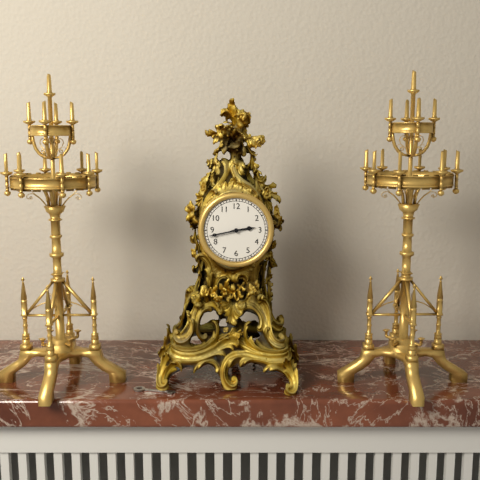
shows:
2,43
